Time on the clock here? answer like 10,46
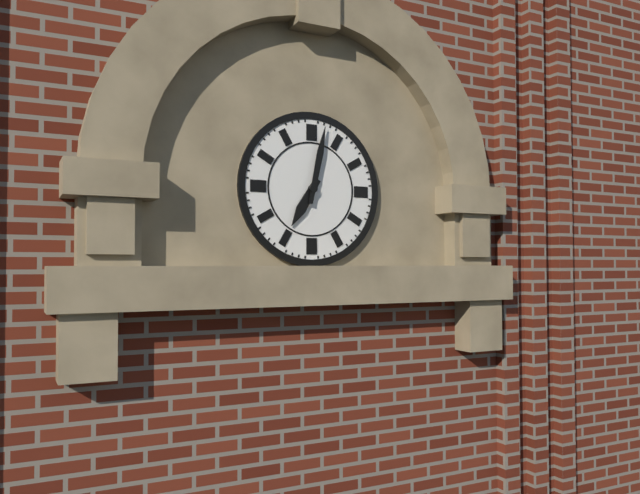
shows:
7,02
